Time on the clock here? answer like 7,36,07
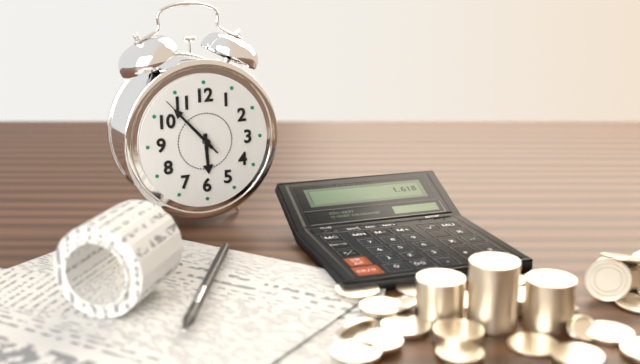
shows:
5,53,53
